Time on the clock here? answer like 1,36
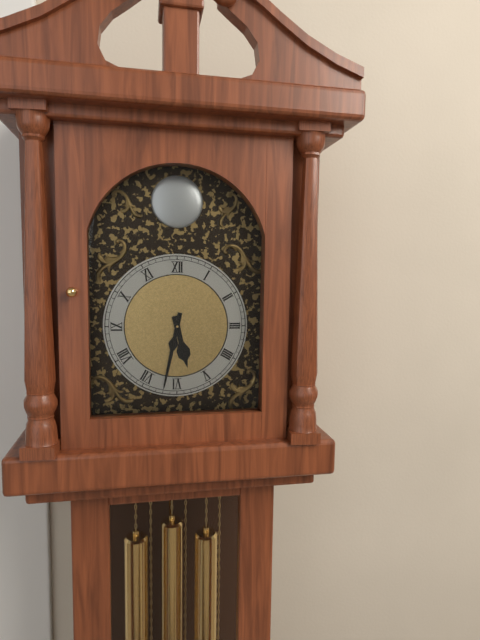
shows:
5,32
